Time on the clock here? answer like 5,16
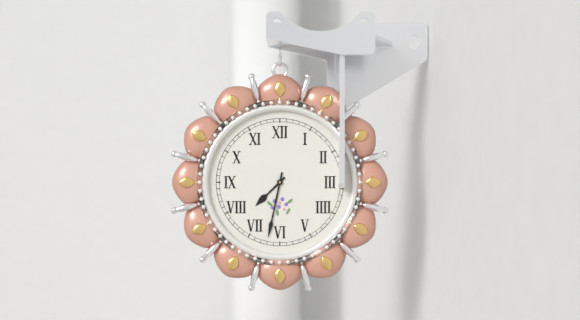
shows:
7,32
